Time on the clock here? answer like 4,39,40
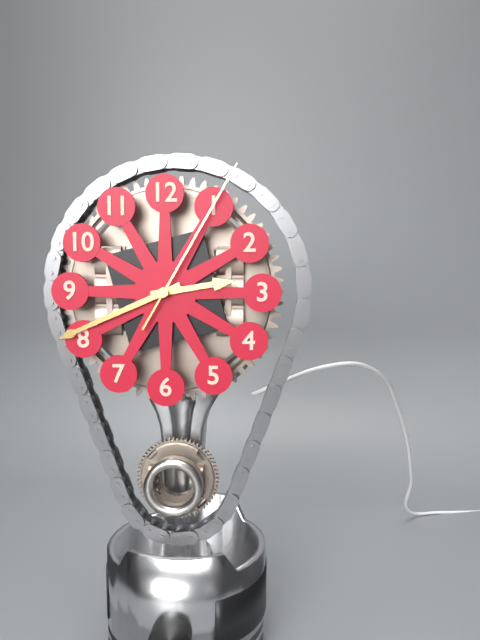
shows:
2,41,05
